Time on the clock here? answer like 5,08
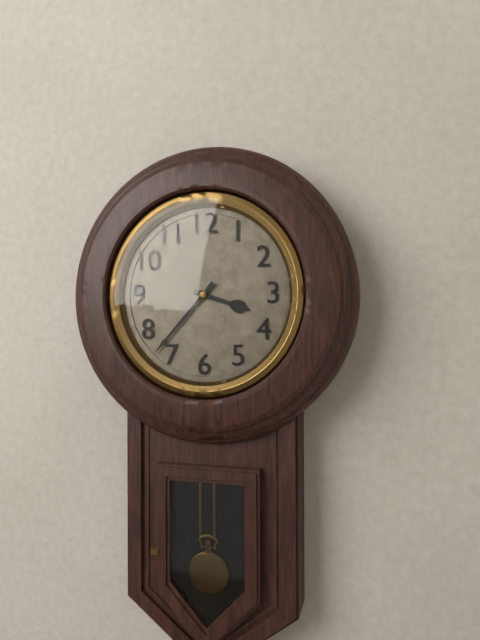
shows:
3,37
